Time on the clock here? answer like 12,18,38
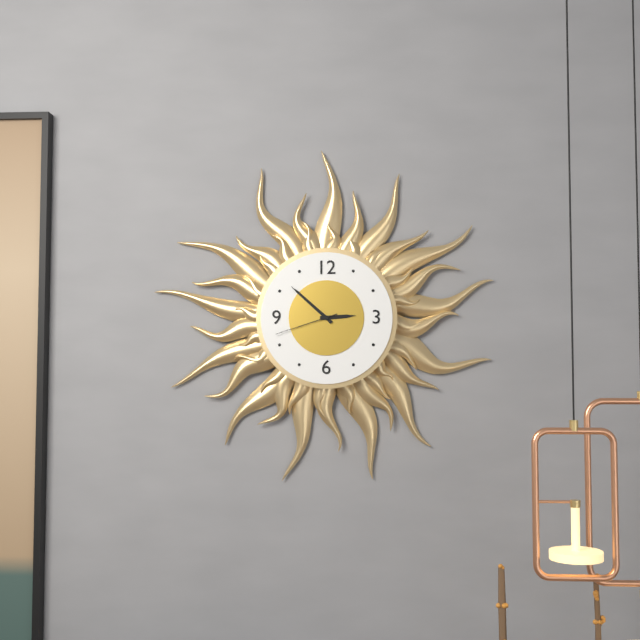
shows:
2,52,42
